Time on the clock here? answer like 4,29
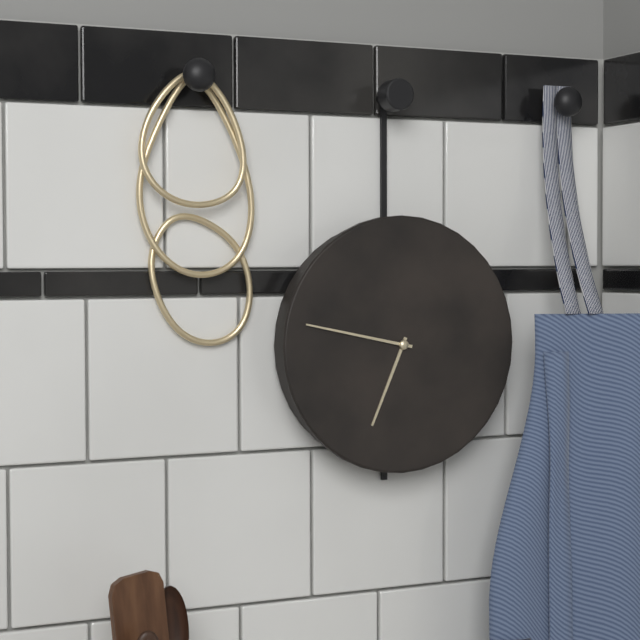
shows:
6,47
